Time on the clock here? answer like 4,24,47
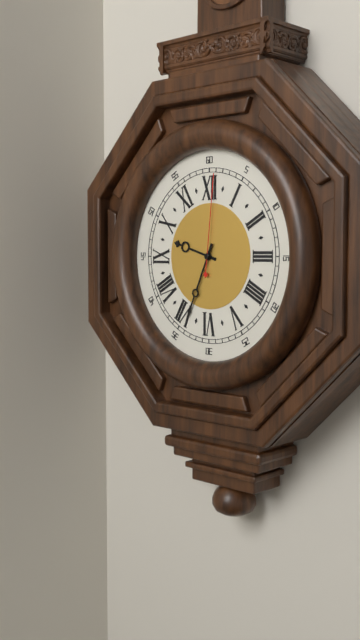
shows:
9,34,01
